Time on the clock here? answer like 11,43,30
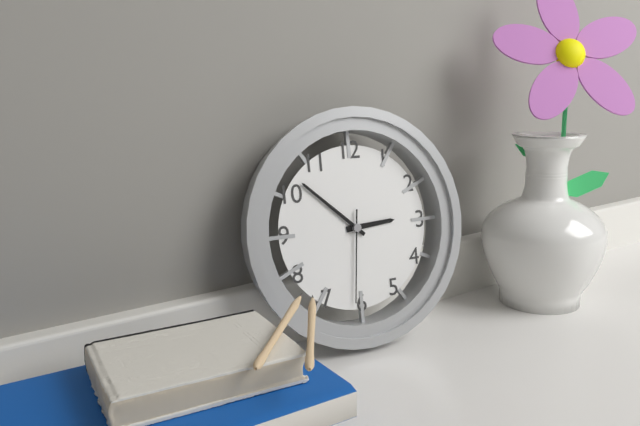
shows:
2,52,31
